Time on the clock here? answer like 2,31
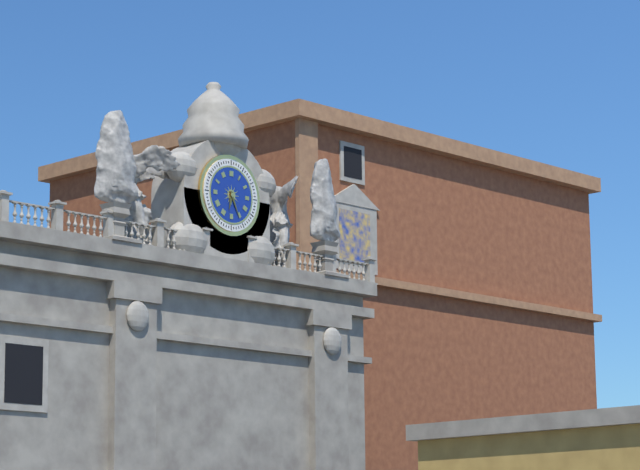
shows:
6,26
